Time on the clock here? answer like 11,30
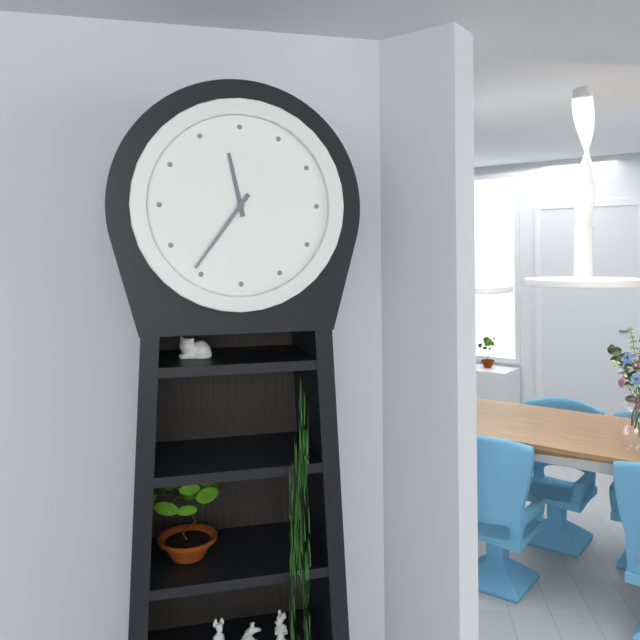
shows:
11,36
